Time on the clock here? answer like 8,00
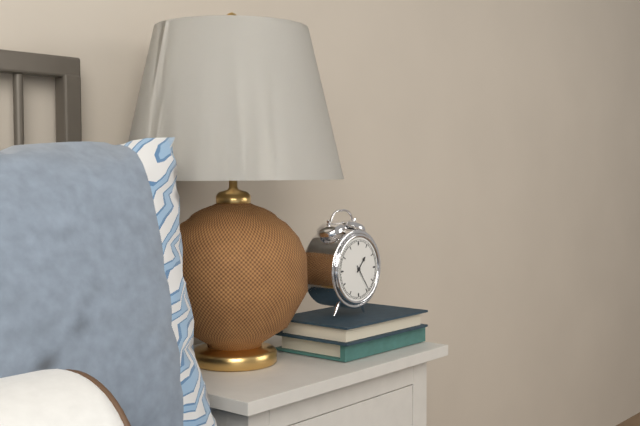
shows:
1,24
